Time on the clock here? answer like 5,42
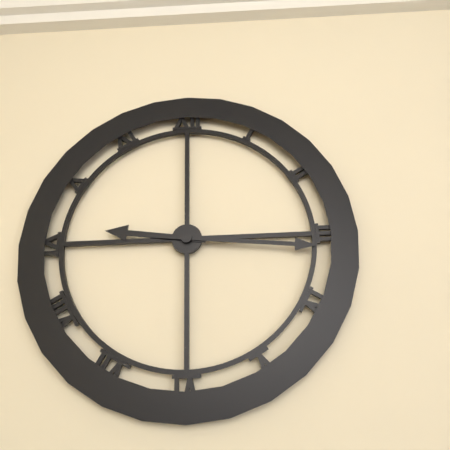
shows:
9,16
